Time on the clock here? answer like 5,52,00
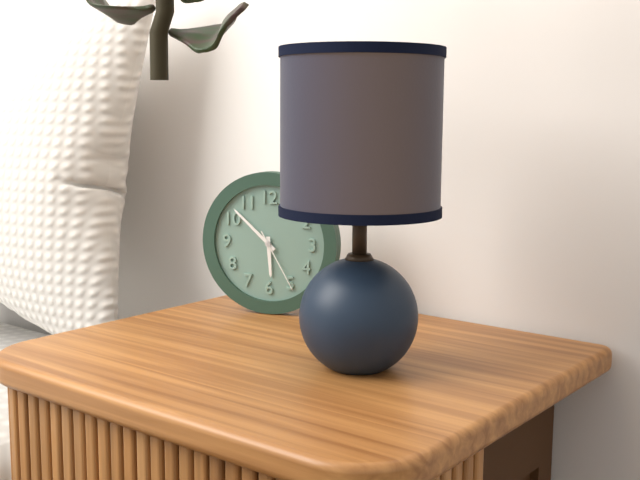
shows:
5,52,25
